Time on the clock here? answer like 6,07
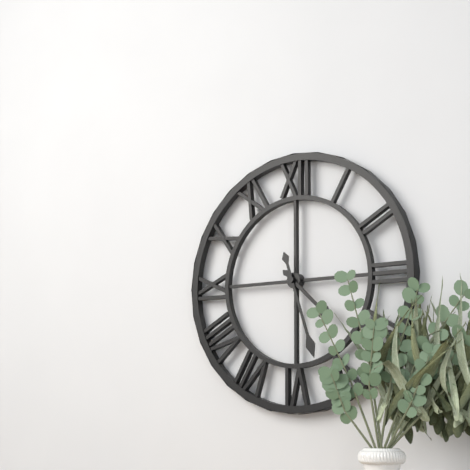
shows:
4,27
